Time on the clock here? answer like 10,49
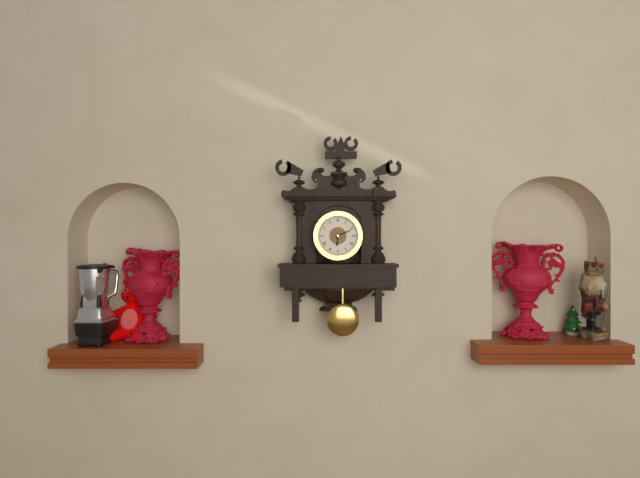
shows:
6,11
